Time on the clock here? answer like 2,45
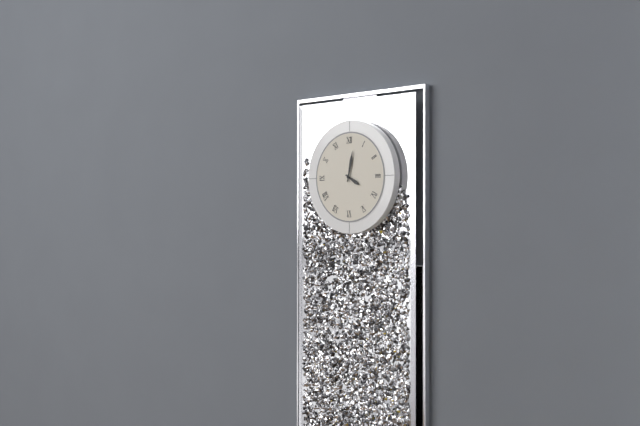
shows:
4,02
